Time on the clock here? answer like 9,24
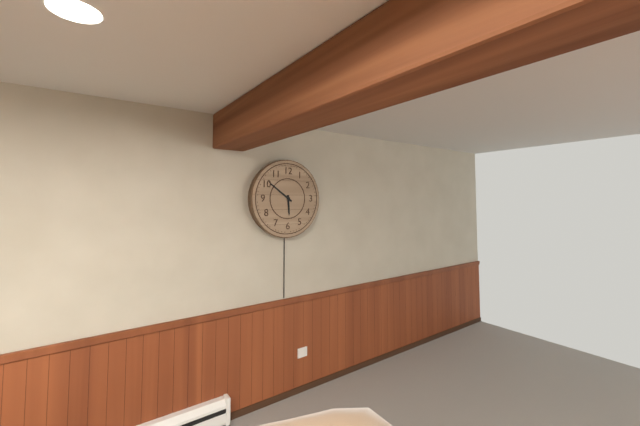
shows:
5,51
